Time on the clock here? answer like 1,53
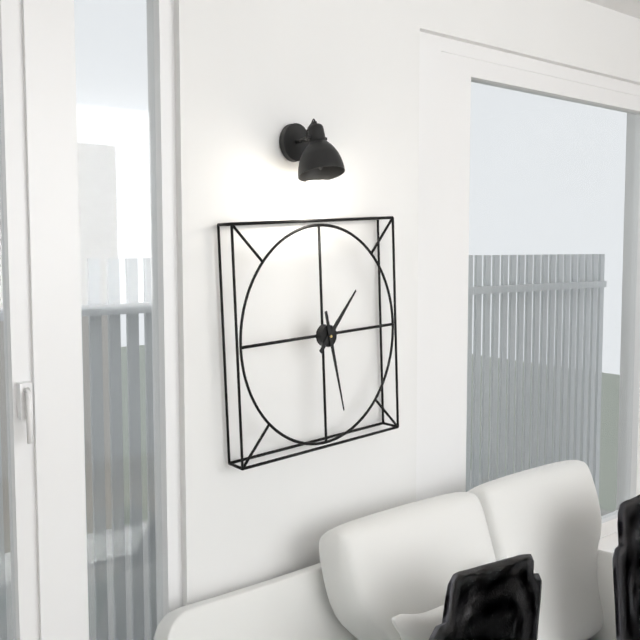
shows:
1,28
